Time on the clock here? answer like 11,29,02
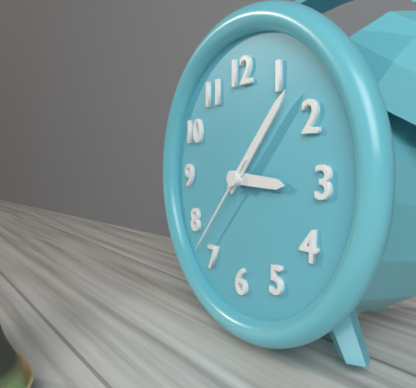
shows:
3,07,37
